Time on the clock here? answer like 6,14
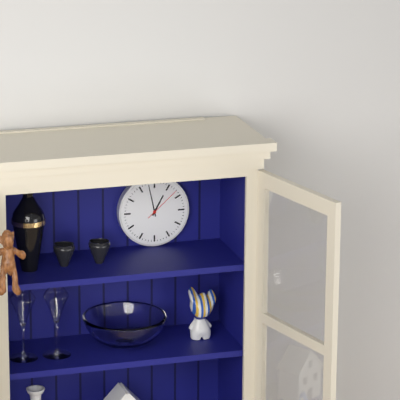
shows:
12,58
